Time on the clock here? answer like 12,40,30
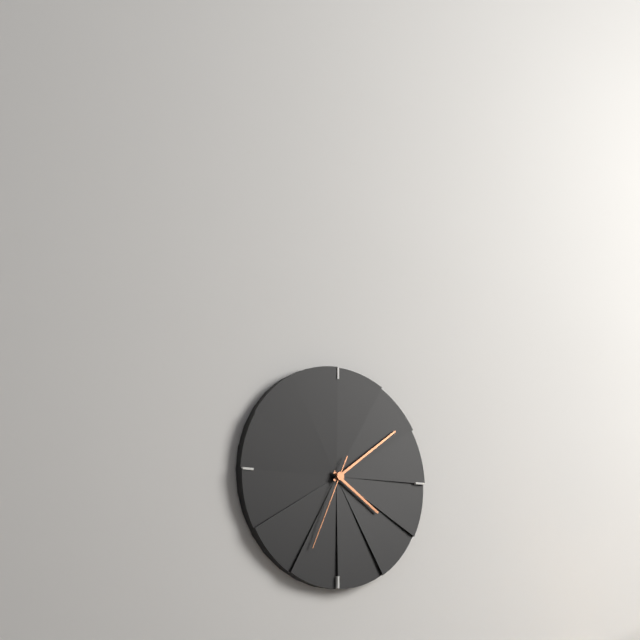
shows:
4,09,34
